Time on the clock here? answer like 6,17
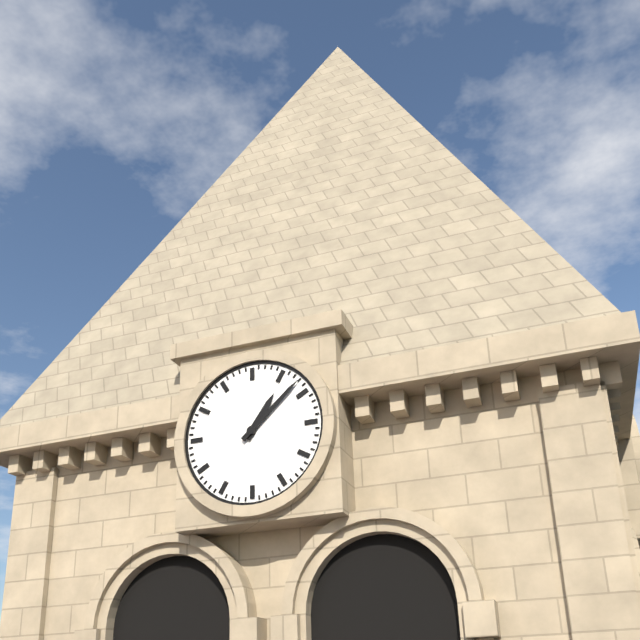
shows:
1,08
